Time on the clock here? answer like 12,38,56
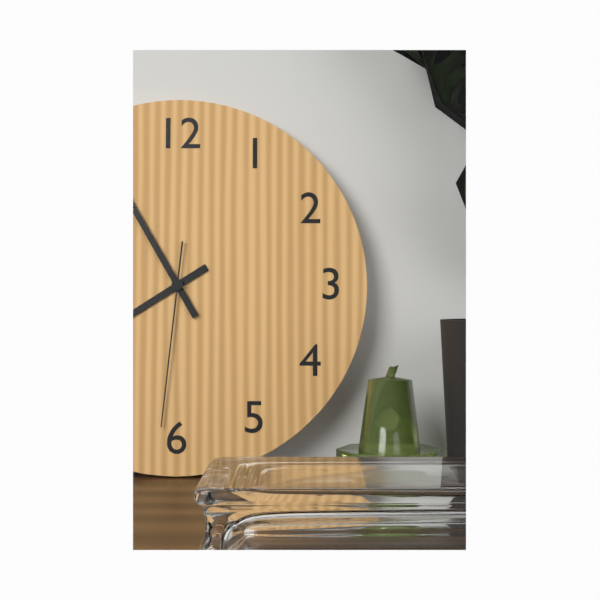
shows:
7,55,31
